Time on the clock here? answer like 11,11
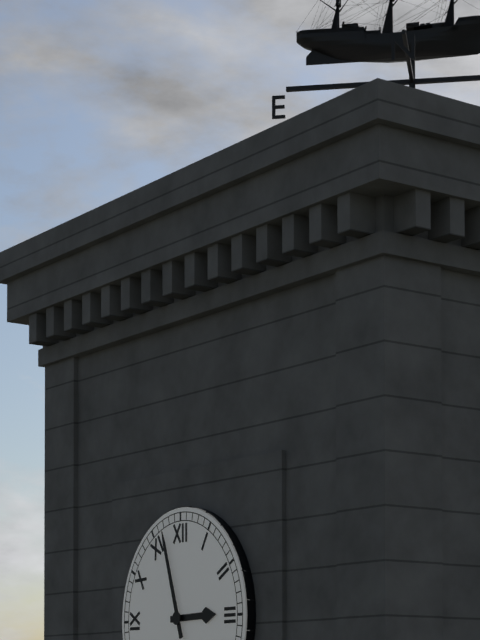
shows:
2,57
